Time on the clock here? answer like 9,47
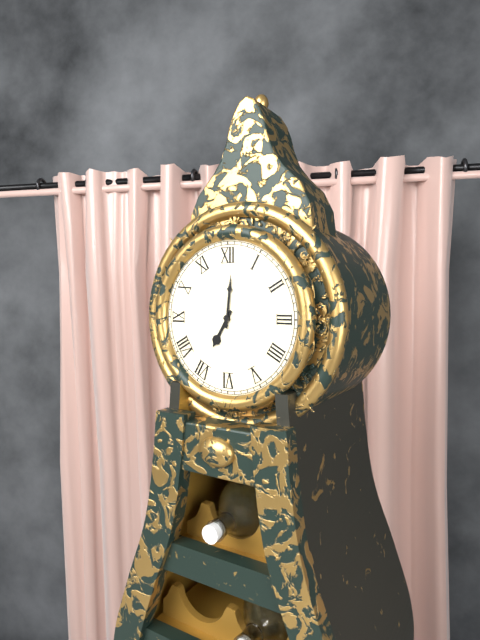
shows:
7,01
